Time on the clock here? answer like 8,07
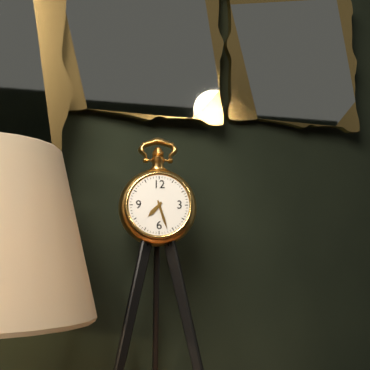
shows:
7,27
